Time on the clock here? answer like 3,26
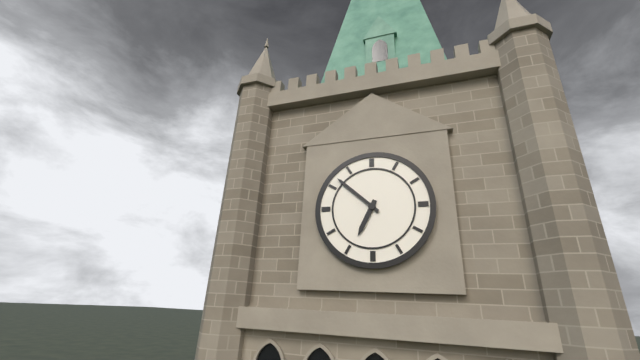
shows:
6,52
